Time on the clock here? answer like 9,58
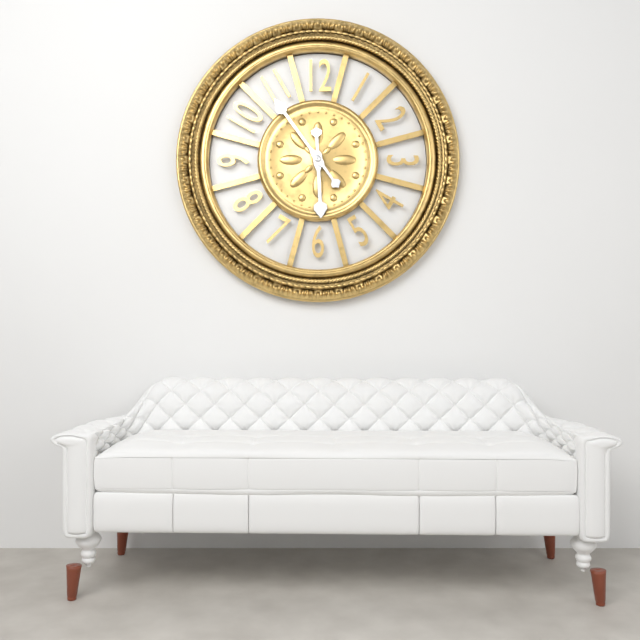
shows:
5,54
